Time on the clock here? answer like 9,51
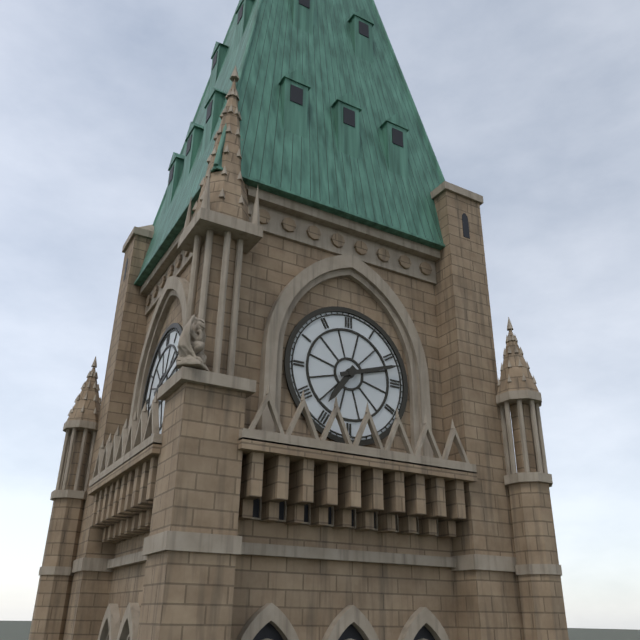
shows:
7,12
